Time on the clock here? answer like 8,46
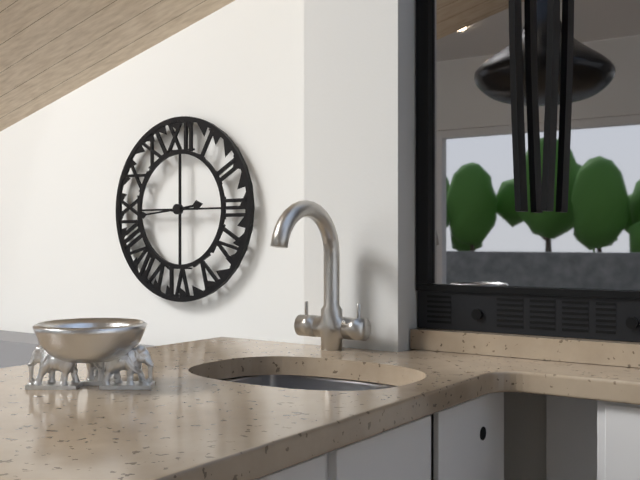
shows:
2,44
